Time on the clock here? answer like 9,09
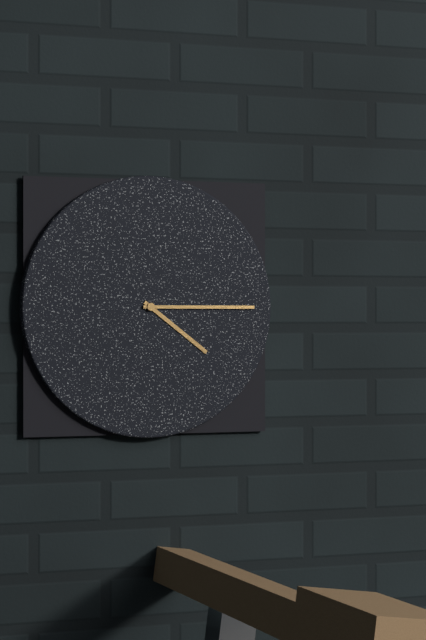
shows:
4,15
